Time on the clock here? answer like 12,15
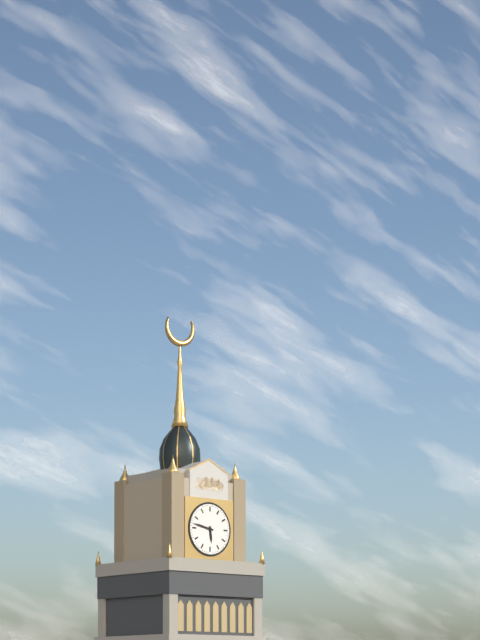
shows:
5,47
